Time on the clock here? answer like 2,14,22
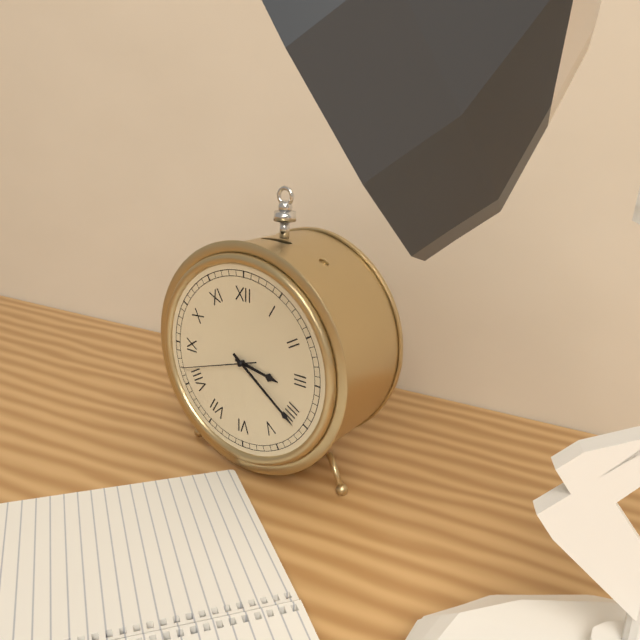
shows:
3,21,42
